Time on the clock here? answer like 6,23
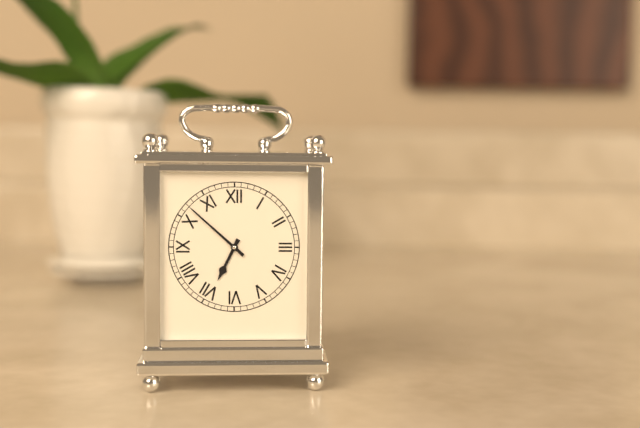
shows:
6,52
